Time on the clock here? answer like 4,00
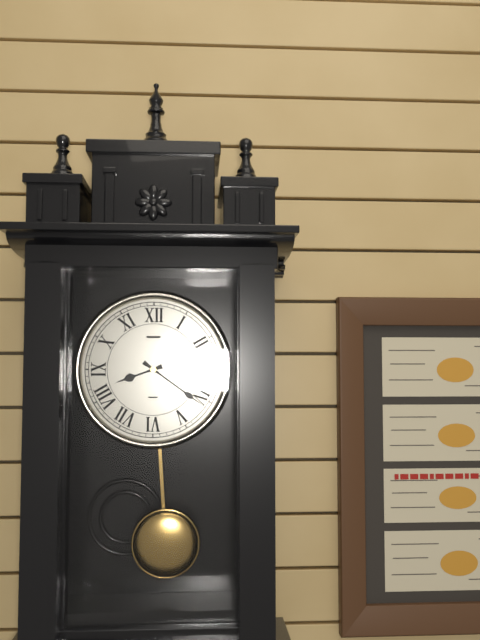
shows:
8,21
